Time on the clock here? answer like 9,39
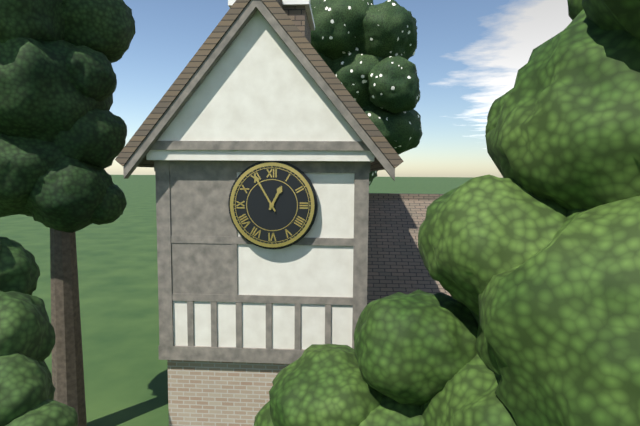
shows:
12,55
